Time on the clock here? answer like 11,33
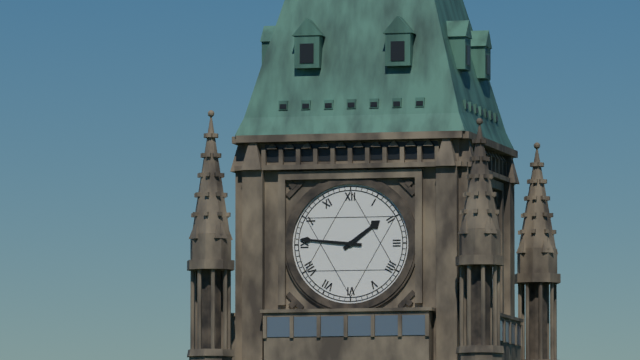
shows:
1,46
